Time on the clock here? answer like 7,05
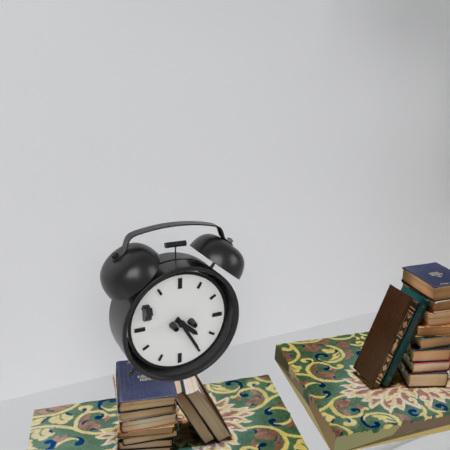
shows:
4,25
